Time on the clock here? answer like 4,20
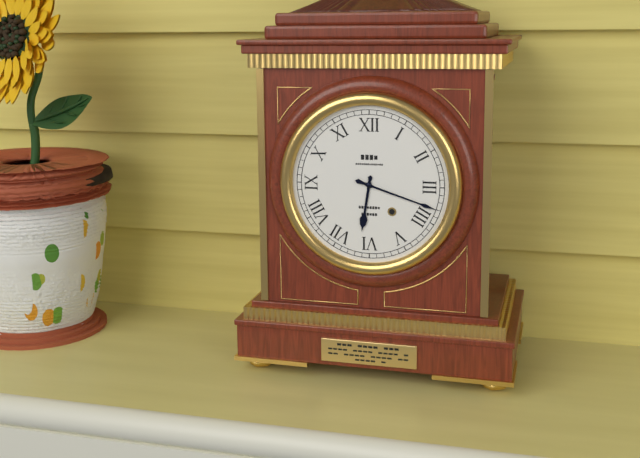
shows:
6,18
